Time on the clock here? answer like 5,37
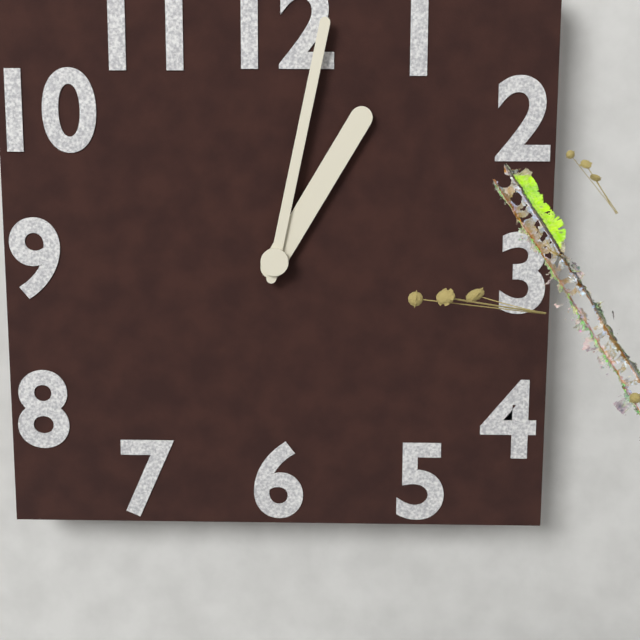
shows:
1,02
